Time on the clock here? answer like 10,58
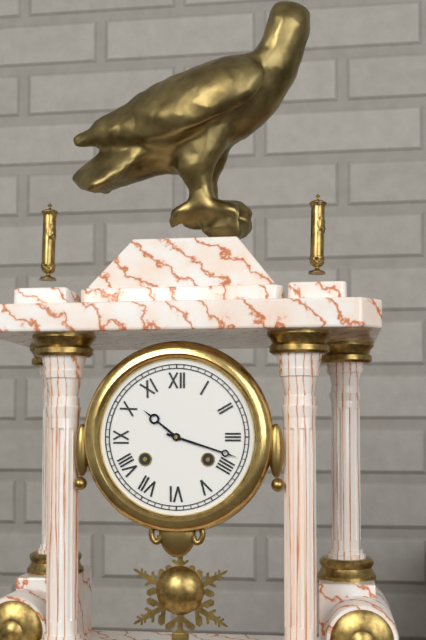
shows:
10,18
